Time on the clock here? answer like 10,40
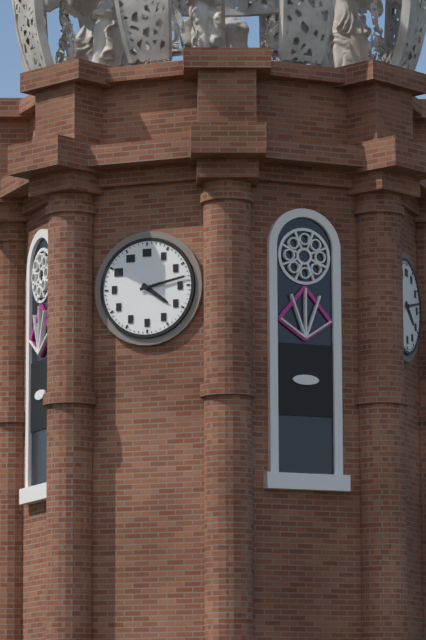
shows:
4,13
